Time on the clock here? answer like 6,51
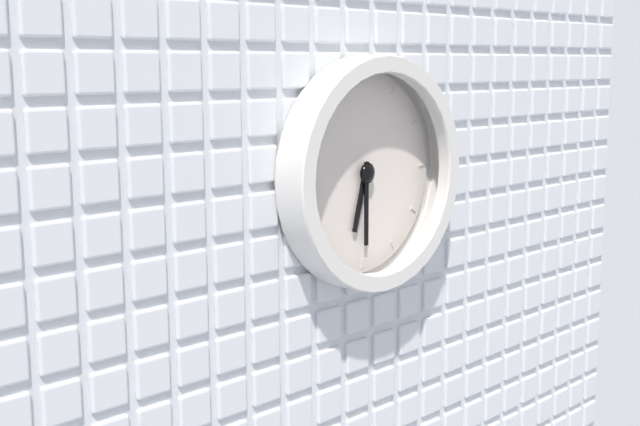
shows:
6,30
